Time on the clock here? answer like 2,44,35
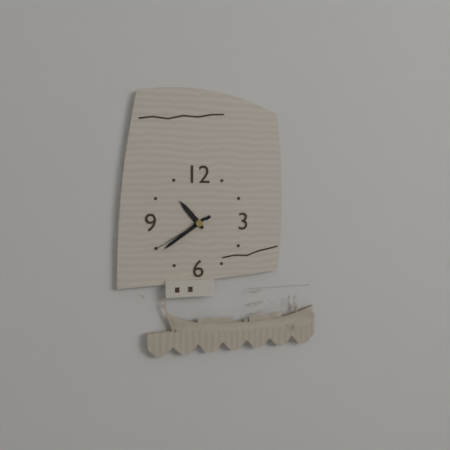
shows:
10,39,40
